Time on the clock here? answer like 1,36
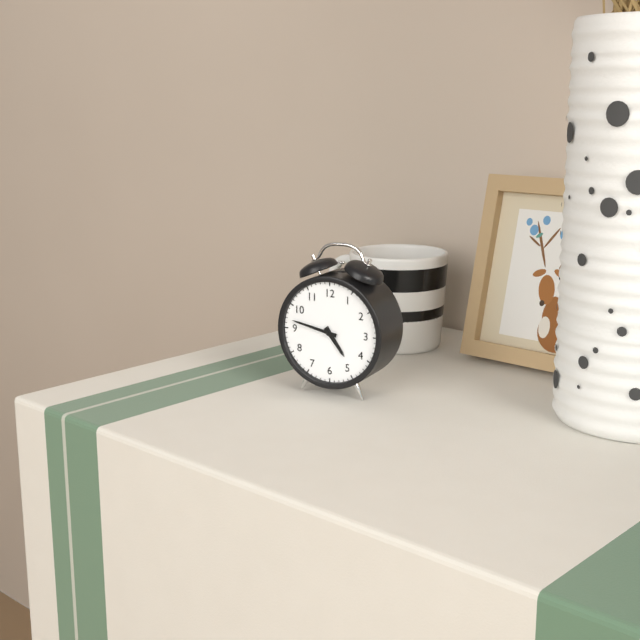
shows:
4,47
